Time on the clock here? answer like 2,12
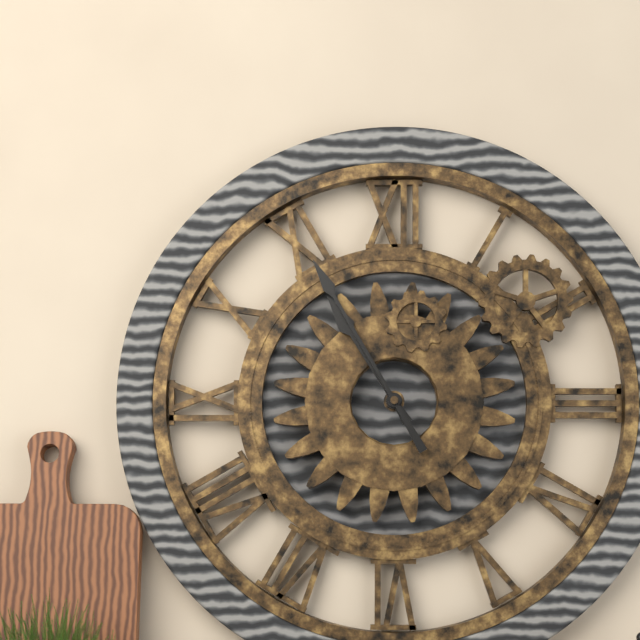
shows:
10,55
